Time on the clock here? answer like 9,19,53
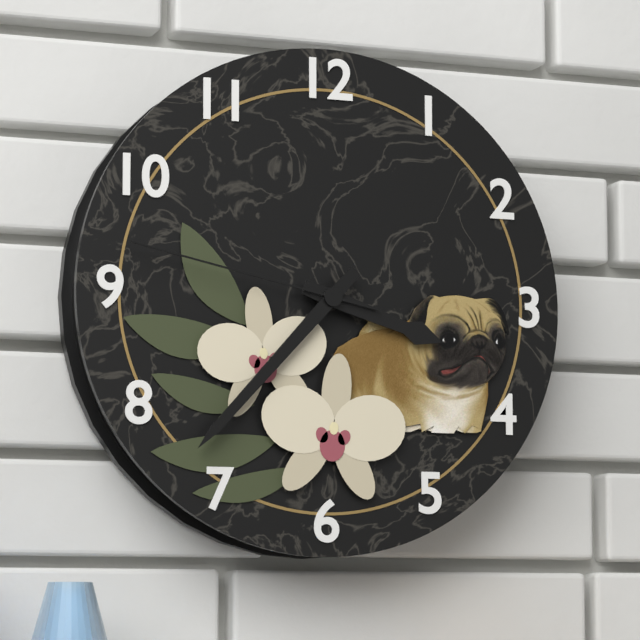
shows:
3,37,47
